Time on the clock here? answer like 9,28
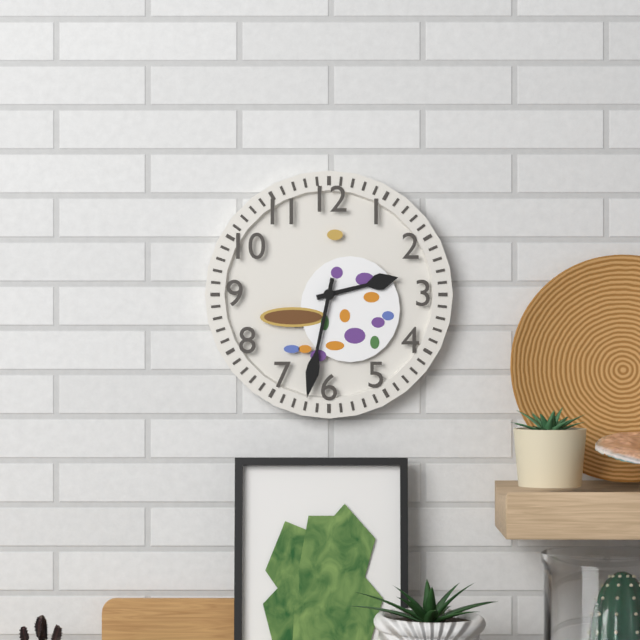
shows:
2,32
